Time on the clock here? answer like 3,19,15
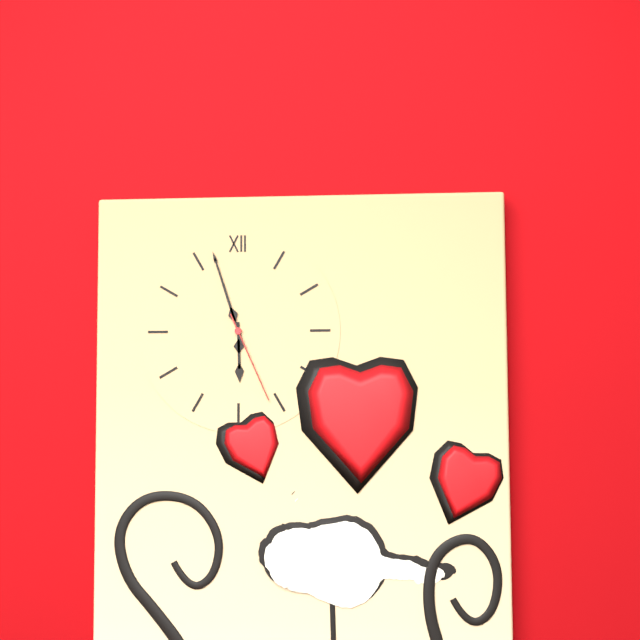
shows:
5,57,26
